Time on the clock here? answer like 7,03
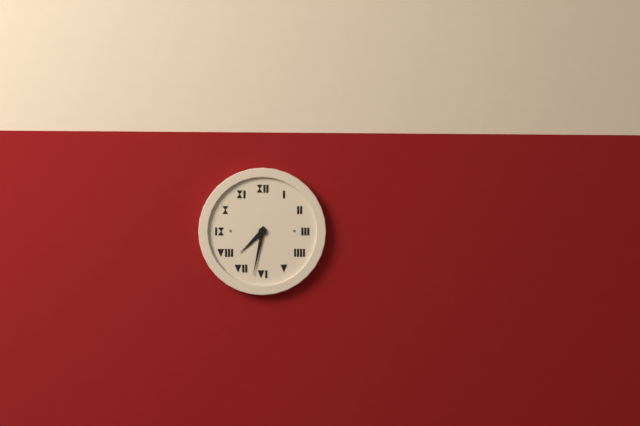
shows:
7,32
